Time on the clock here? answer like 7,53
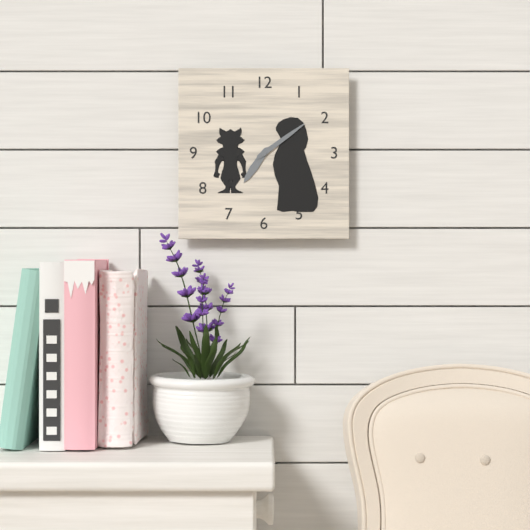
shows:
7,09
